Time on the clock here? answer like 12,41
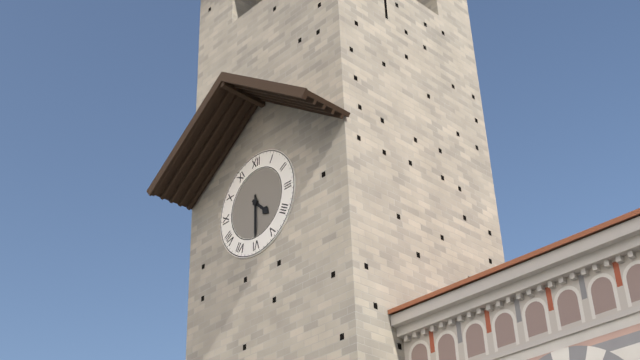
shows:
4,30
